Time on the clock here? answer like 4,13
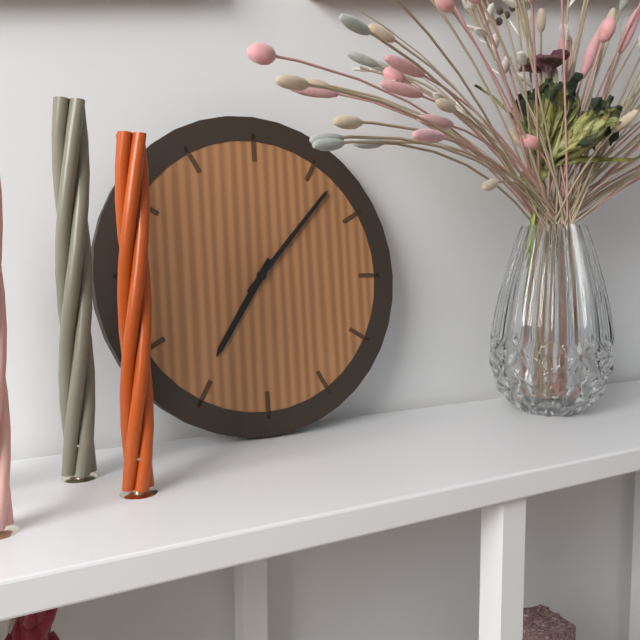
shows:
7,07
